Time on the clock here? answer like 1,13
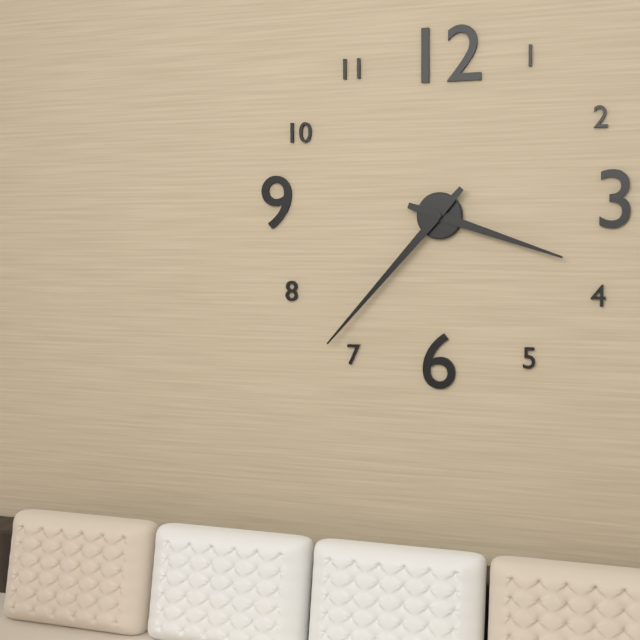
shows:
3,37
